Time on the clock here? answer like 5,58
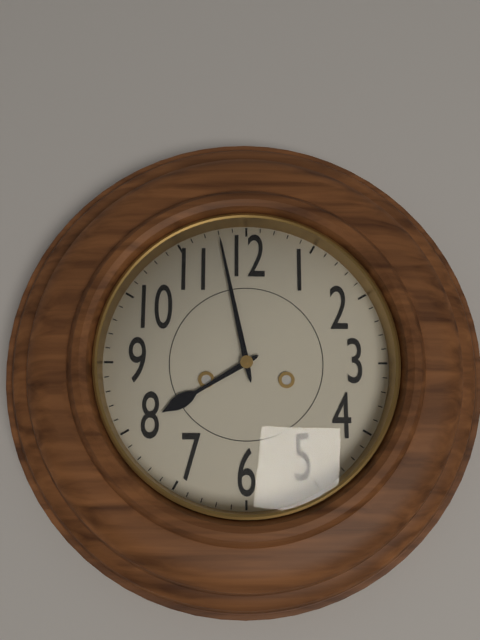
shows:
7,58
